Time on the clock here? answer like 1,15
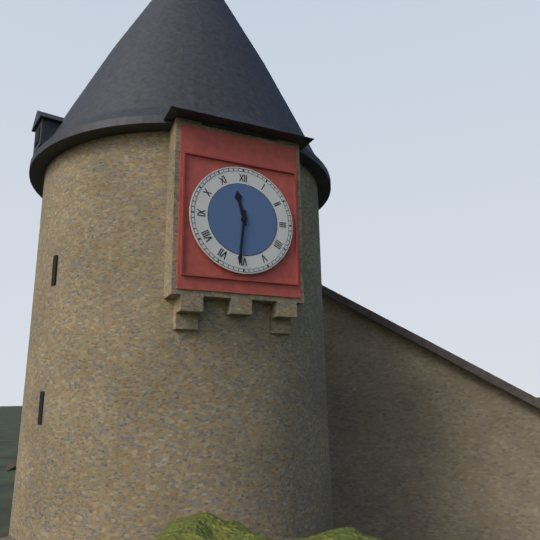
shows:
11,31
